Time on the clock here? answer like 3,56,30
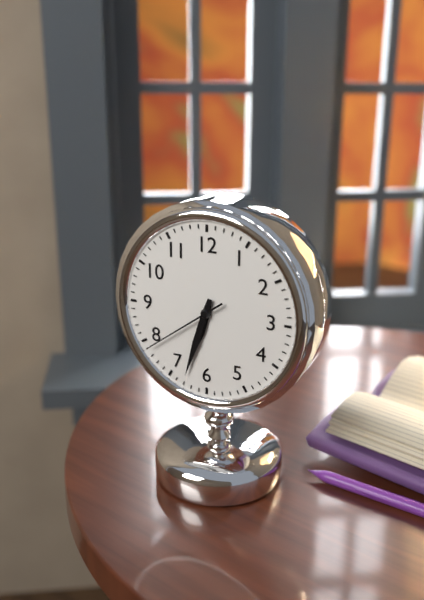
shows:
6,33,39
